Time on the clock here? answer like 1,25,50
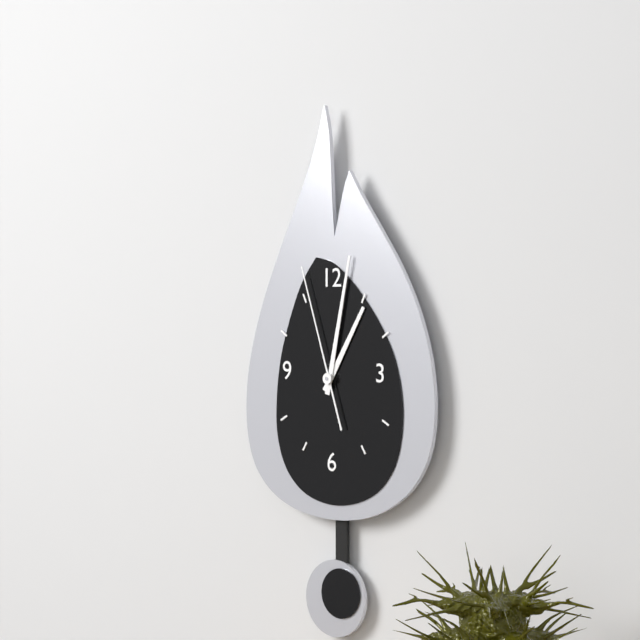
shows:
1,02,57
